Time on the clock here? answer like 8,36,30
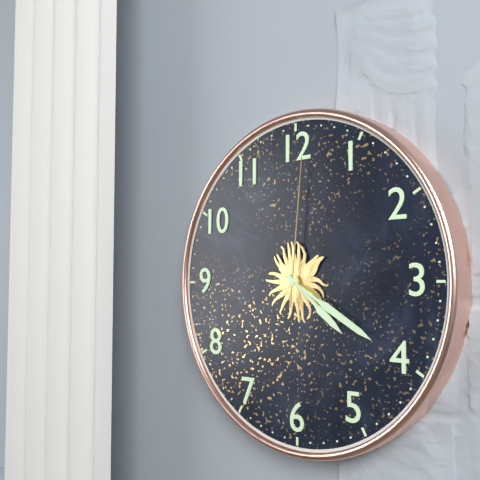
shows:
4,20,01
